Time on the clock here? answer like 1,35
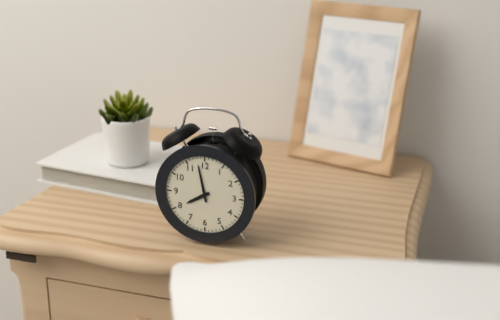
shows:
7,58
